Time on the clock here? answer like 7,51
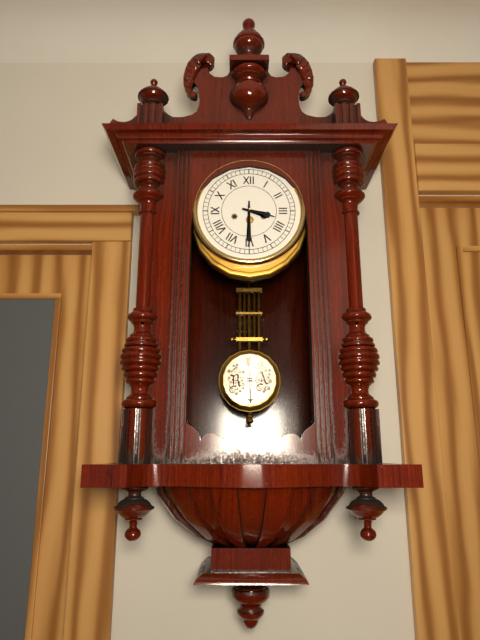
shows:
3,30
